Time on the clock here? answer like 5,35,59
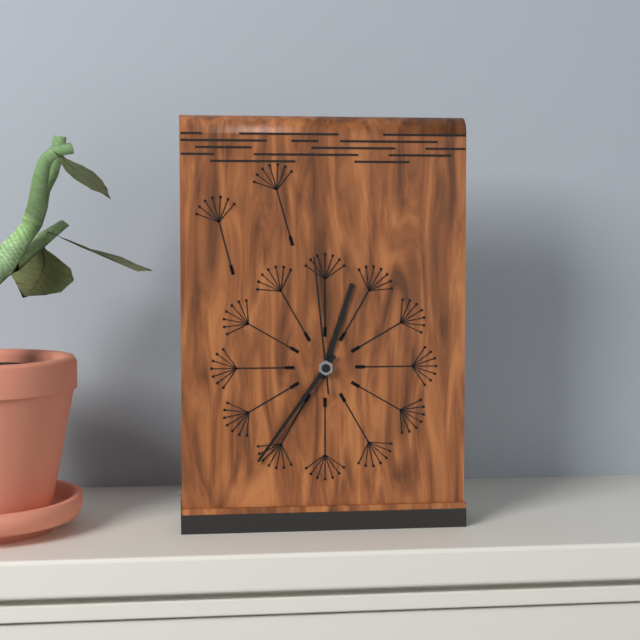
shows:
12,36,59
